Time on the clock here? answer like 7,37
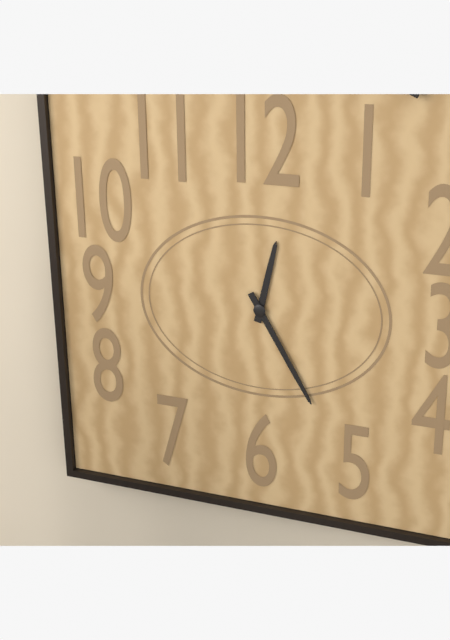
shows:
12,25
